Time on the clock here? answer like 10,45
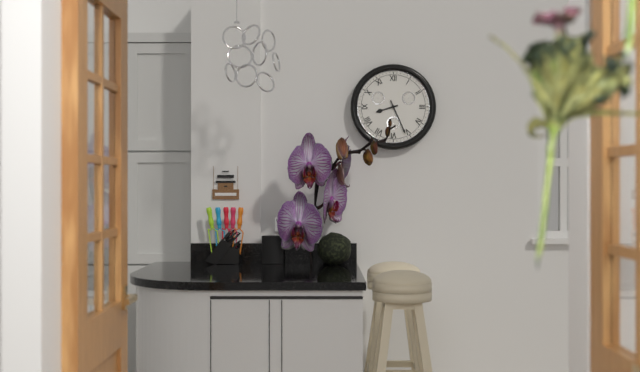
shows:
8,26
